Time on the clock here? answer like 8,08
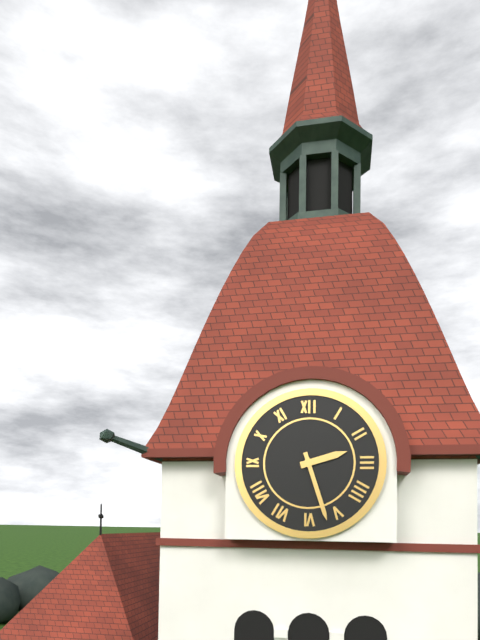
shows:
2,27
